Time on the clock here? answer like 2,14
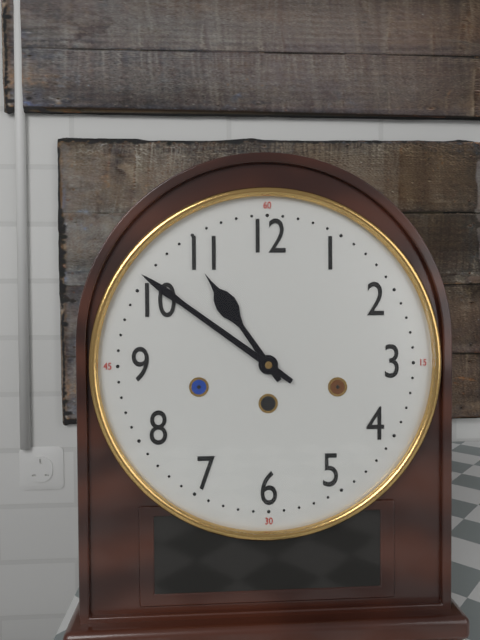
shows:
10,51
